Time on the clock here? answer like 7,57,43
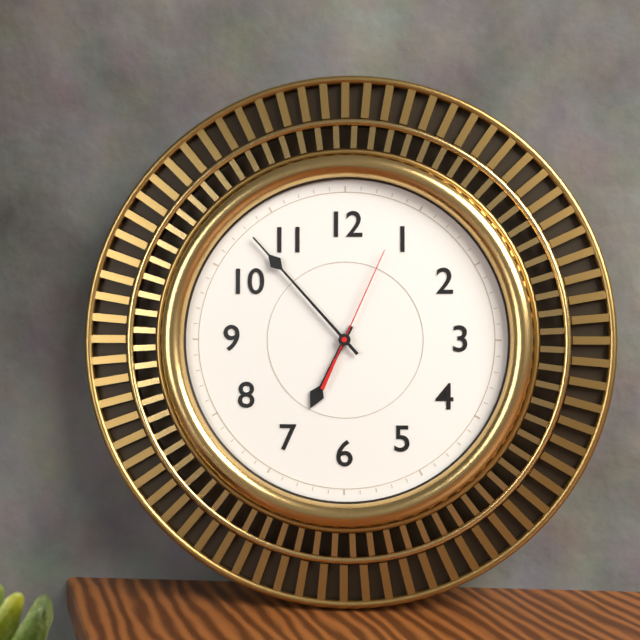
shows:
6,53,04
